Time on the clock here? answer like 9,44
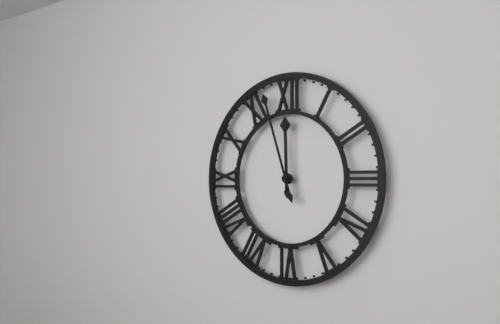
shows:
11,57
